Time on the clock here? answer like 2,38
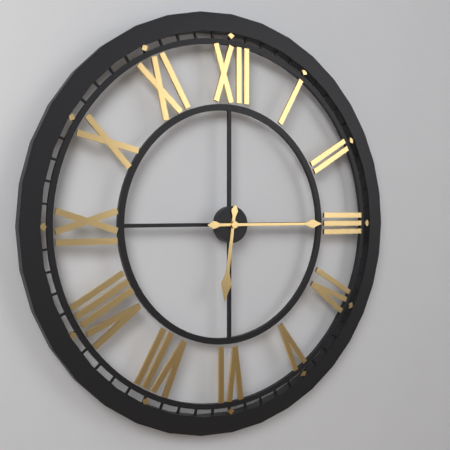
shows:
6,15
